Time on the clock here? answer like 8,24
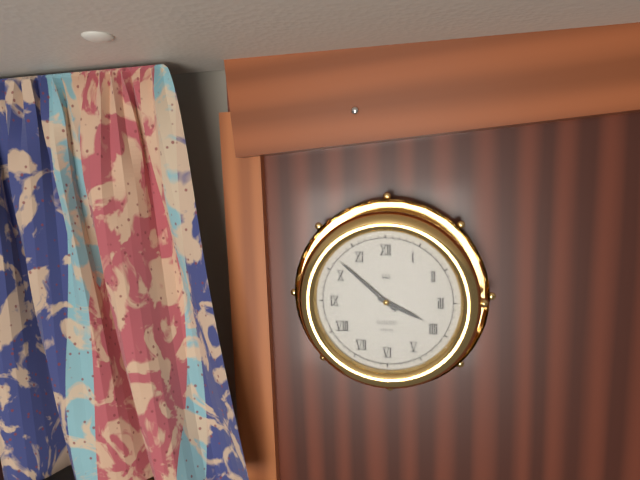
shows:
3,52
